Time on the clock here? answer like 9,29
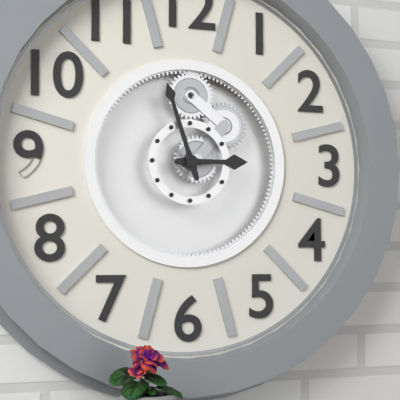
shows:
2,57
